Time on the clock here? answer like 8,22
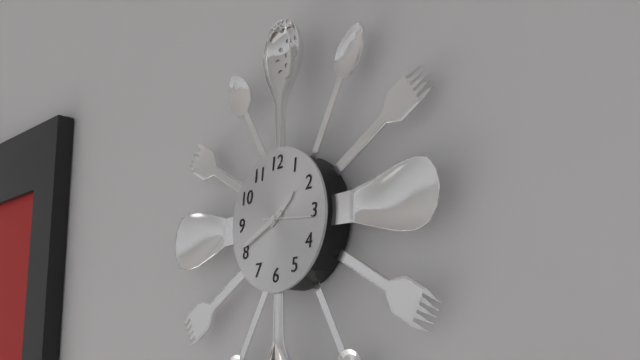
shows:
1,41
